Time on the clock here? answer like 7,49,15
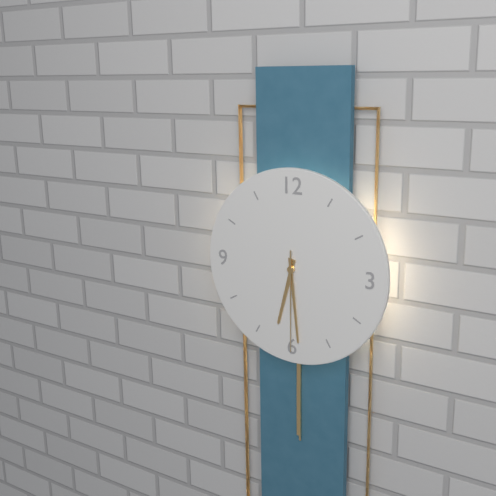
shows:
6,29,30
